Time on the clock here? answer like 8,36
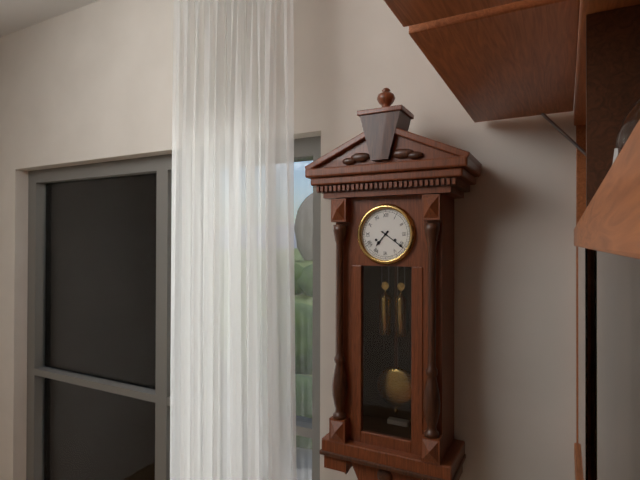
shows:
7,21
